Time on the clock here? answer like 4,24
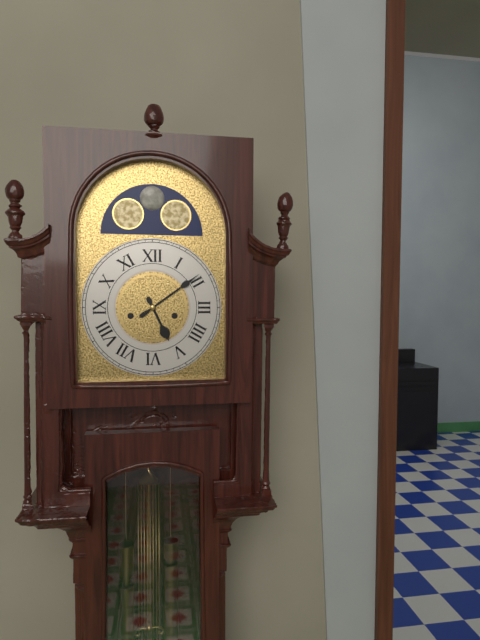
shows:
5,09
